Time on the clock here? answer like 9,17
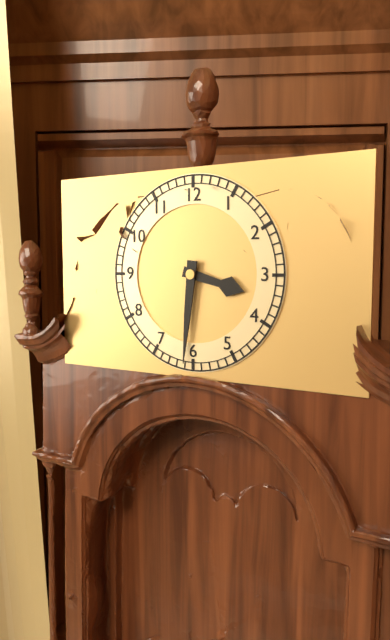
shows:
3,31
